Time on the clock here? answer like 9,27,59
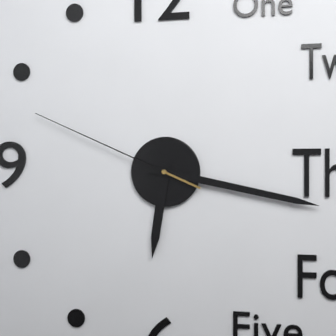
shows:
6,17,49
